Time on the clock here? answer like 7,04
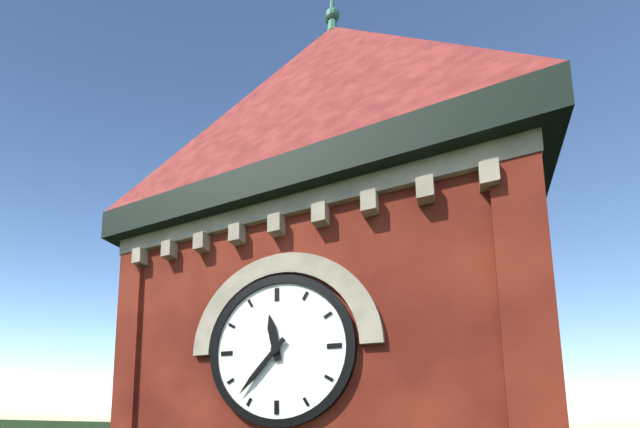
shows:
11,37
